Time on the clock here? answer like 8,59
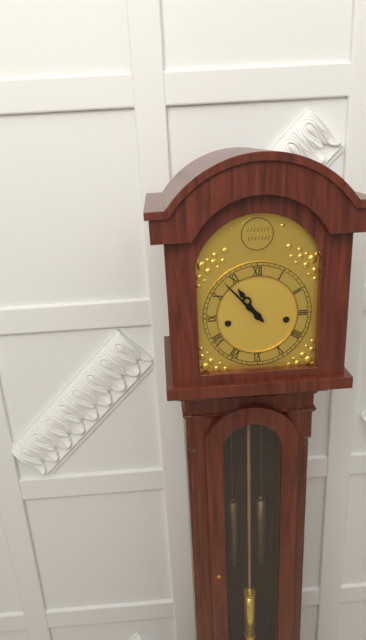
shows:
10,53
